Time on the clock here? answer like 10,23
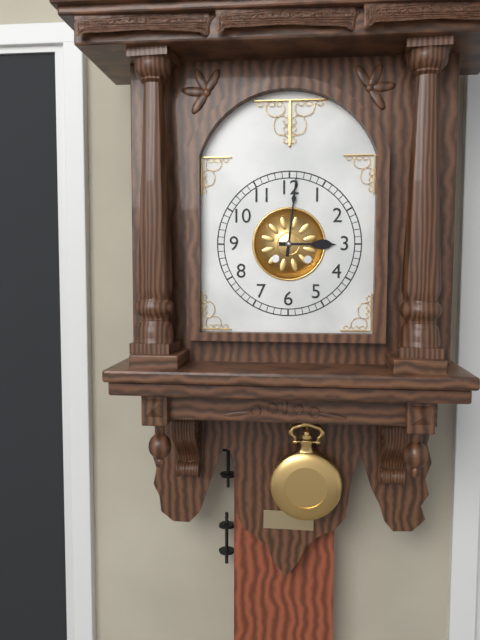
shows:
3,01
